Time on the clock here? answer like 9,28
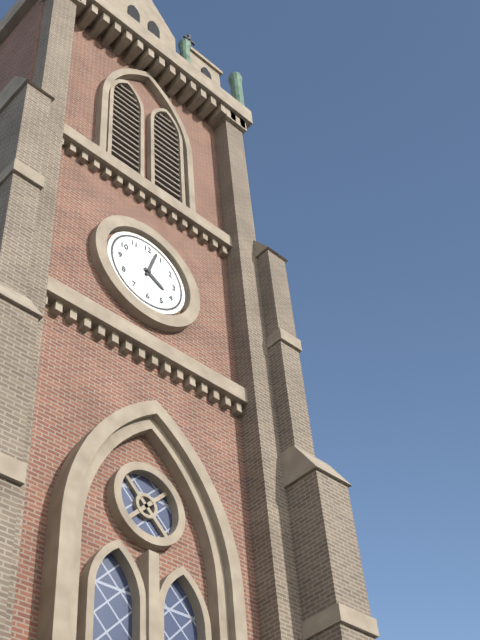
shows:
4,03
